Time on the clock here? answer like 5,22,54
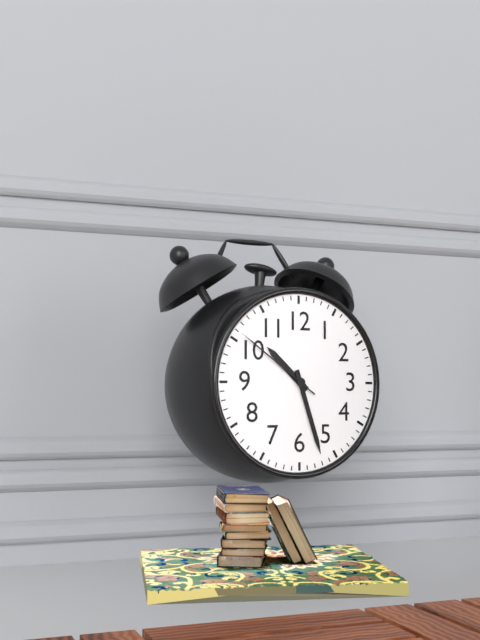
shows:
10,27,51
